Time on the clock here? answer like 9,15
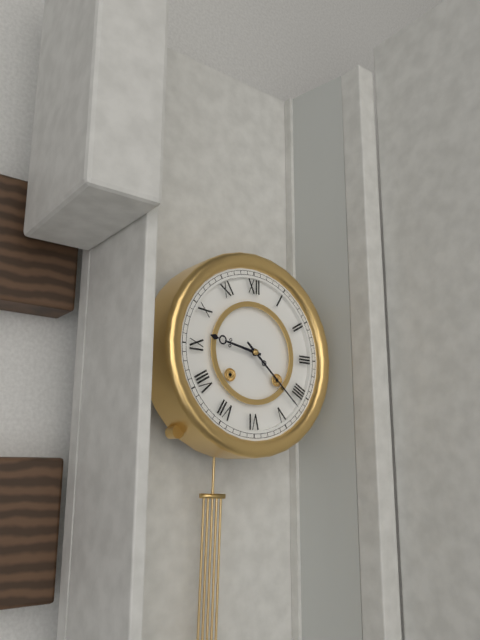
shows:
9,22
